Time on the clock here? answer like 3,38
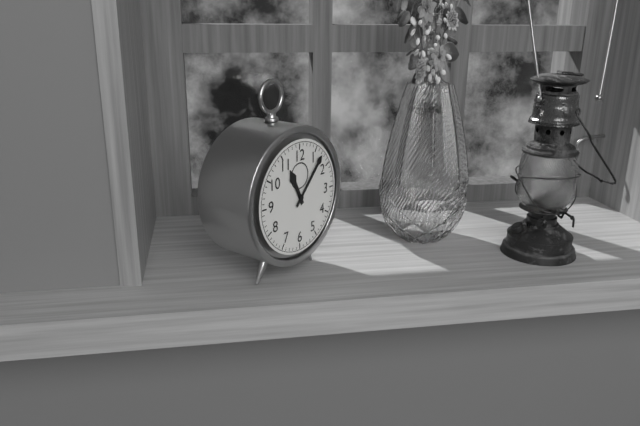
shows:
11,07
